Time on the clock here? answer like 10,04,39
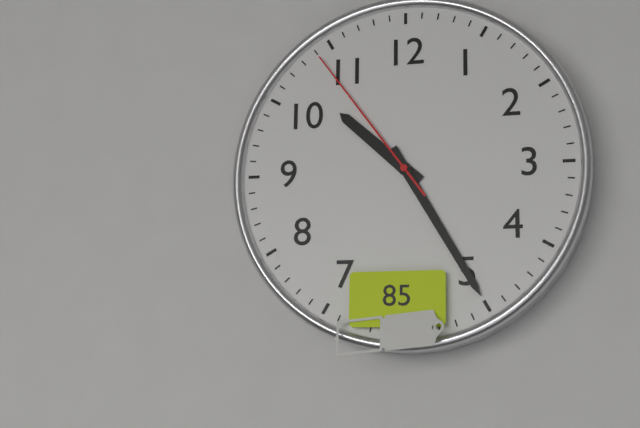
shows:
10,25,54
